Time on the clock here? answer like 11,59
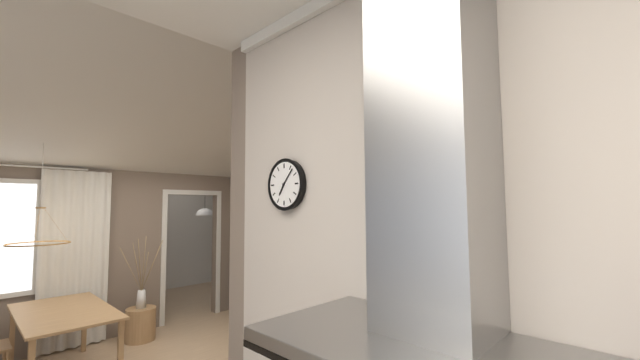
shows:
7,07
